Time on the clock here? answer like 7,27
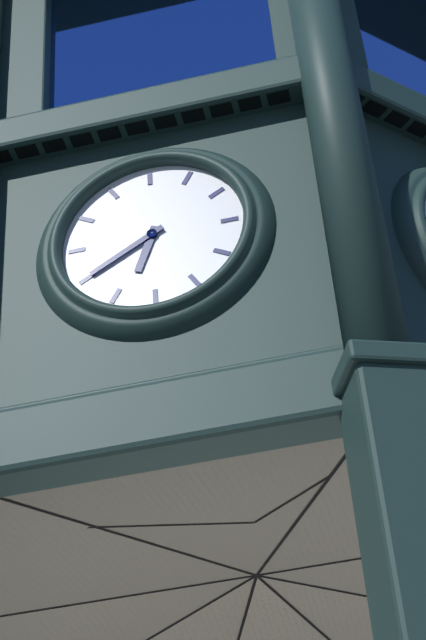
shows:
6,40
